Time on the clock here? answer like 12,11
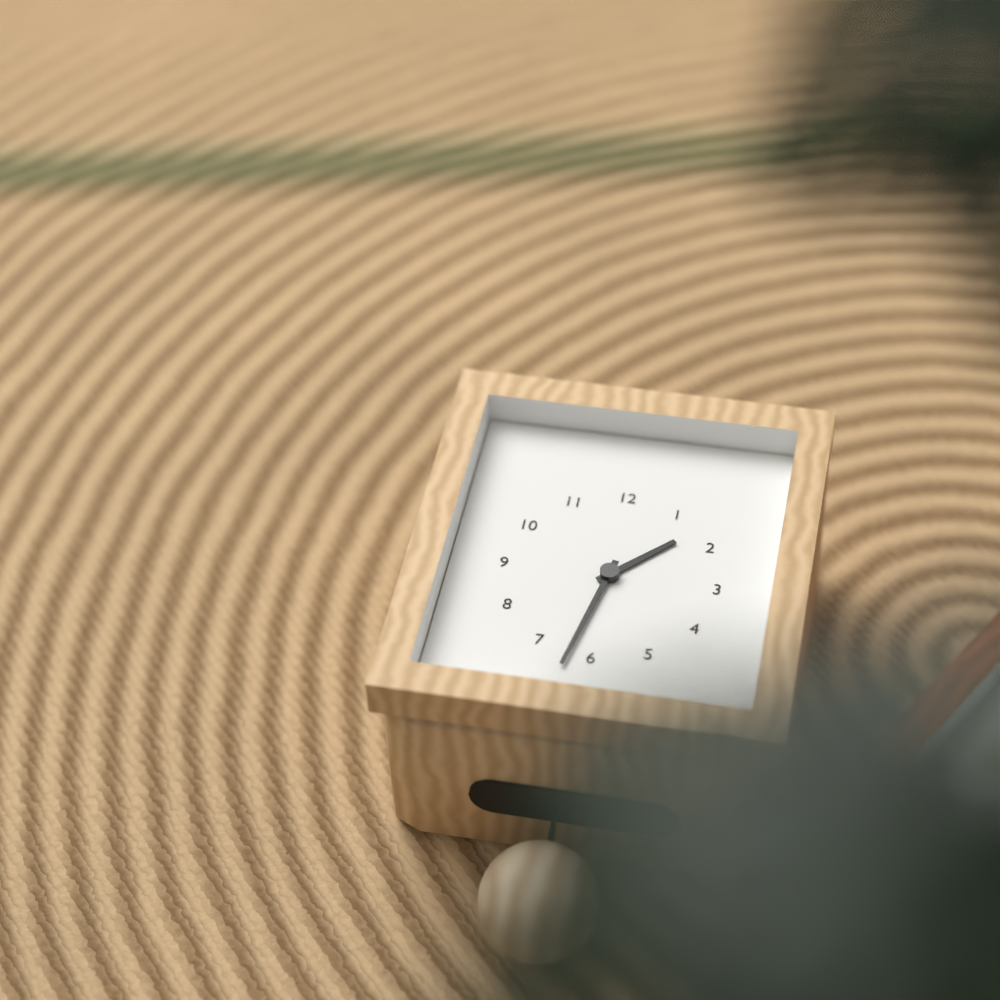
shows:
1,32
